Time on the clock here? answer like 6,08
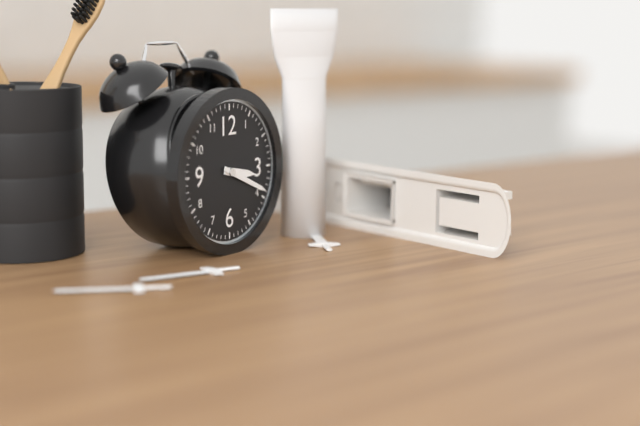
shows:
3,19
